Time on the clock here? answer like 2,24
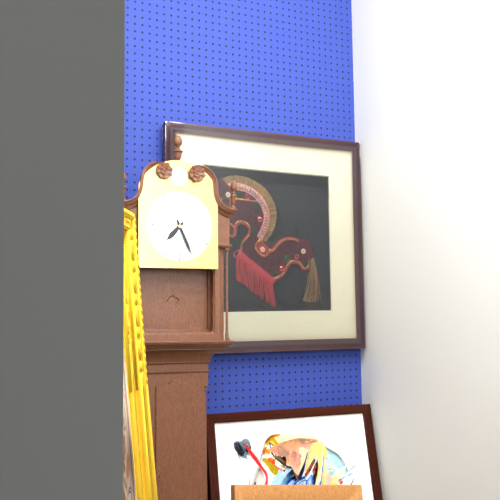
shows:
7,26
